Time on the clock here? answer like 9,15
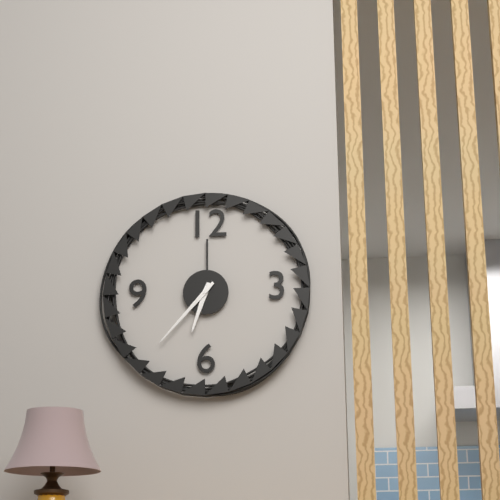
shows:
6,37
